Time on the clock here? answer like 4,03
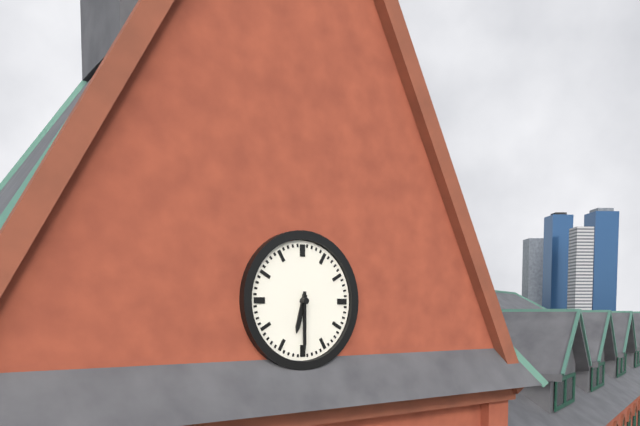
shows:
6,30
